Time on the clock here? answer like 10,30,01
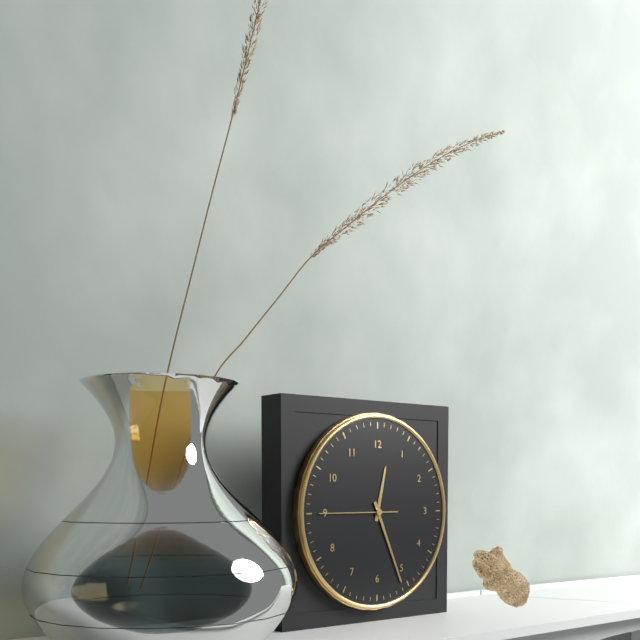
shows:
12,26,45
